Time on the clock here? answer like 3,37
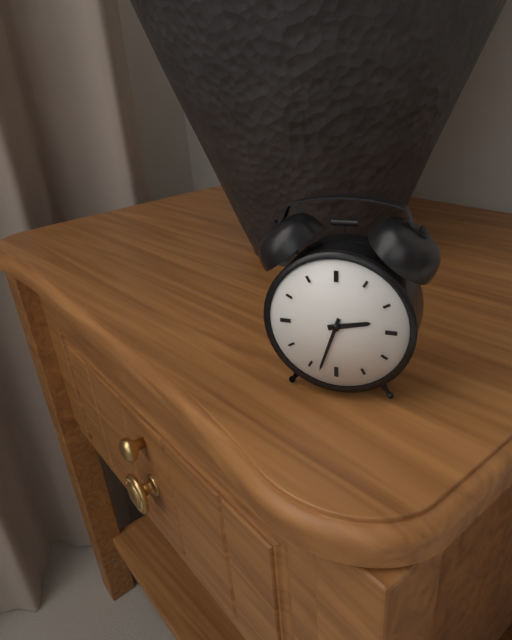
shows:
2,33
